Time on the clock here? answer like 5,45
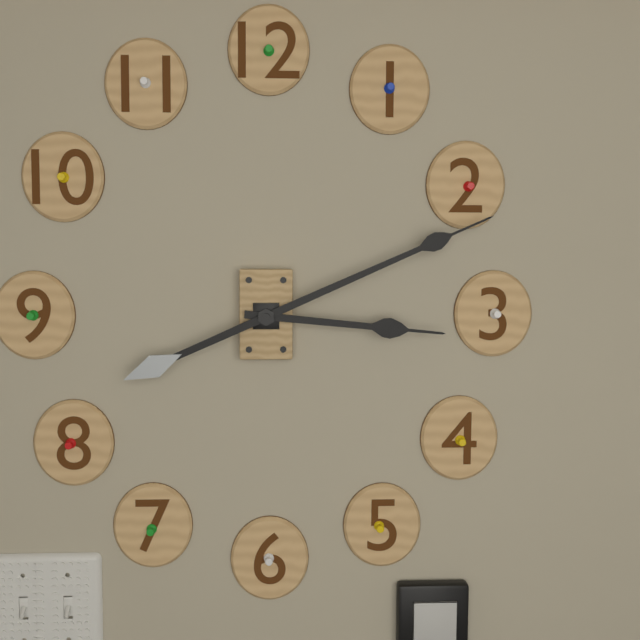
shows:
3,11
